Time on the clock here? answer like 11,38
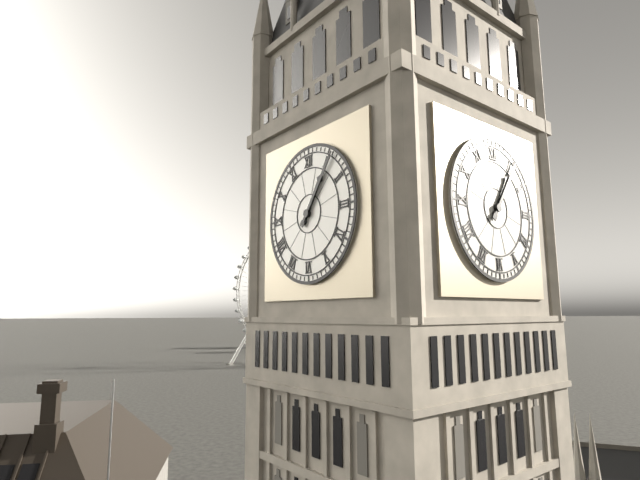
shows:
1,06
